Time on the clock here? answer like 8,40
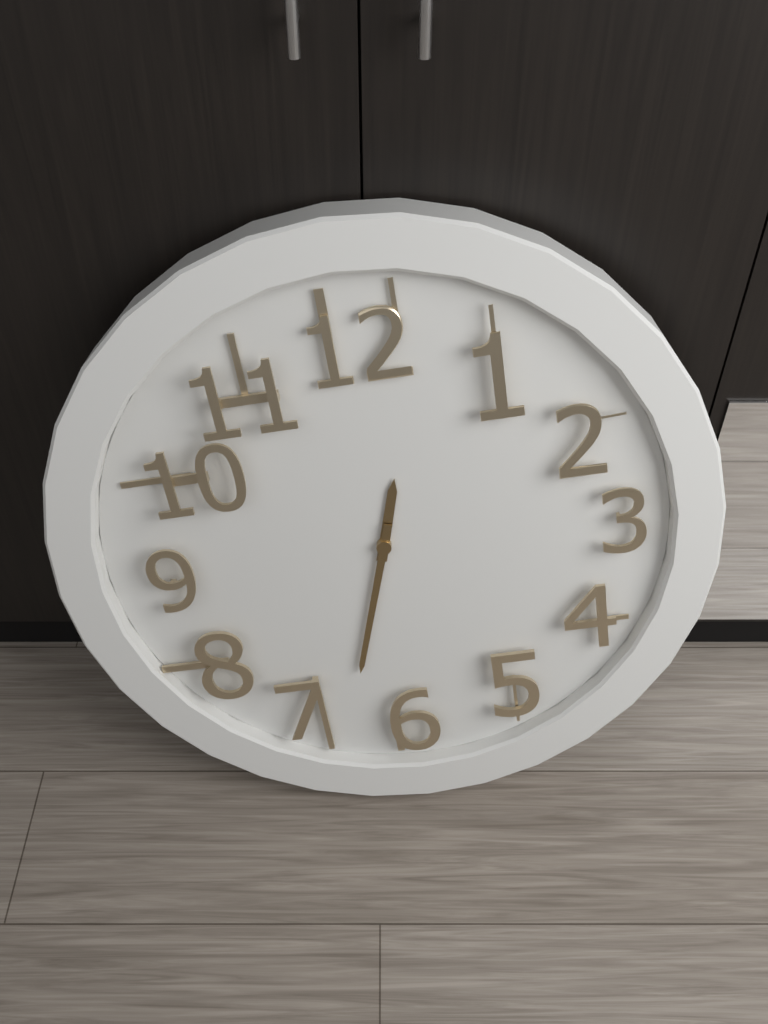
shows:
12,33
